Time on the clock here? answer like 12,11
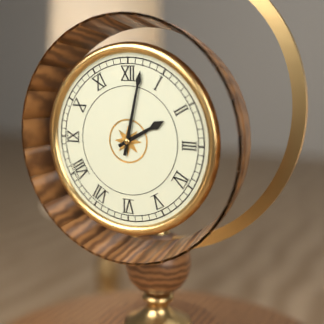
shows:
2,02
